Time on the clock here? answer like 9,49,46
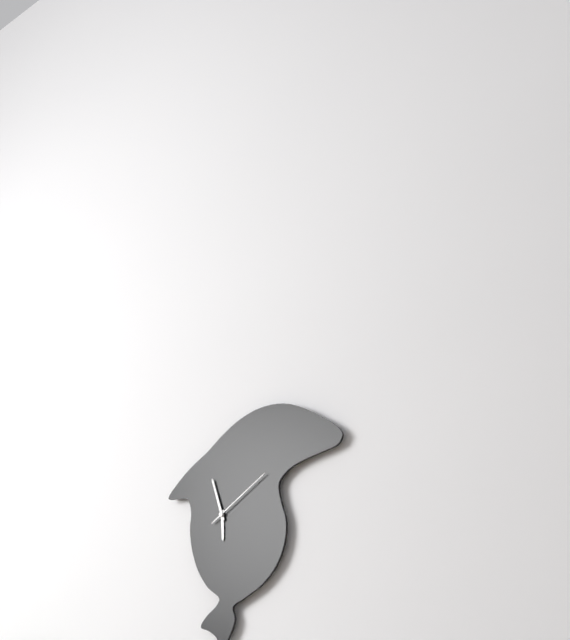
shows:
5,57,10
